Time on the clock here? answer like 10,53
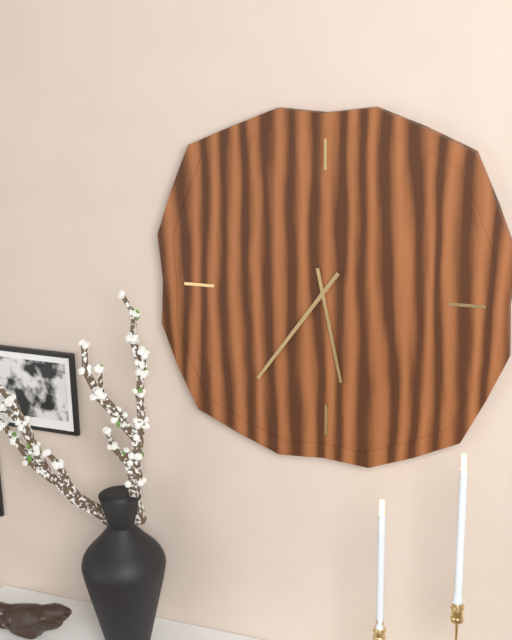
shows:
5,36
